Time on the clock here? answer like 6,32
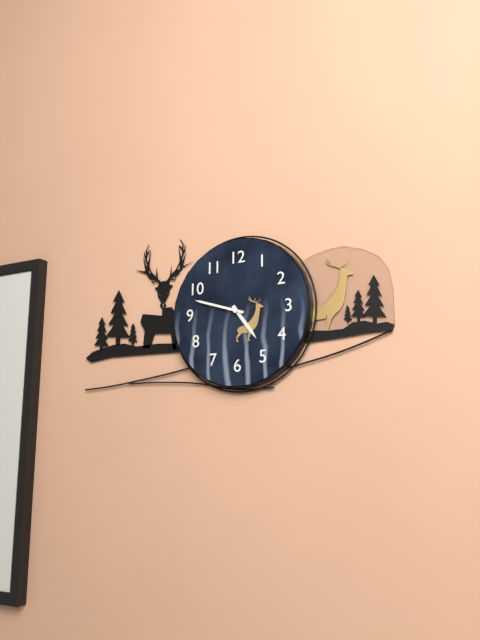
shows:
4,48
